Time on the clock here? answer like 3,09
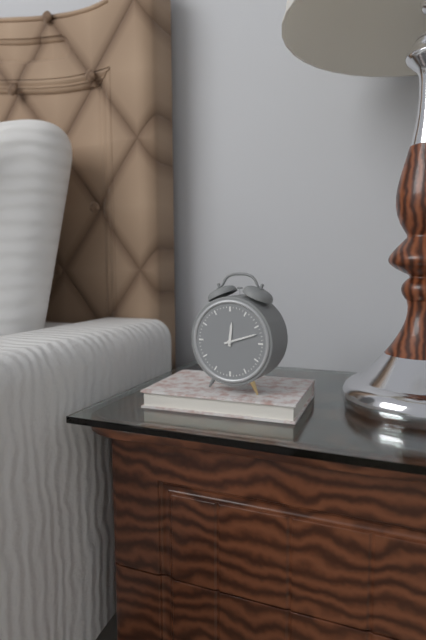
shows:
12,12
